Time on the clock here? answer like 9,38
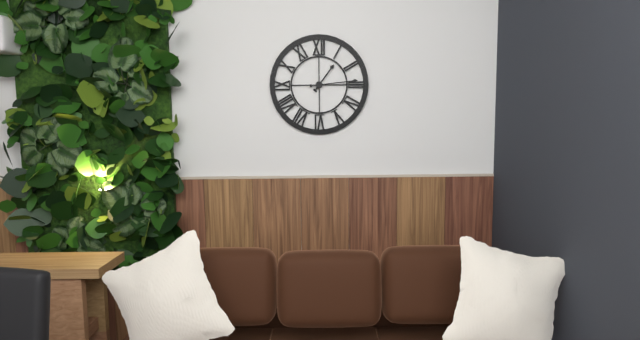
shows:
1,14
